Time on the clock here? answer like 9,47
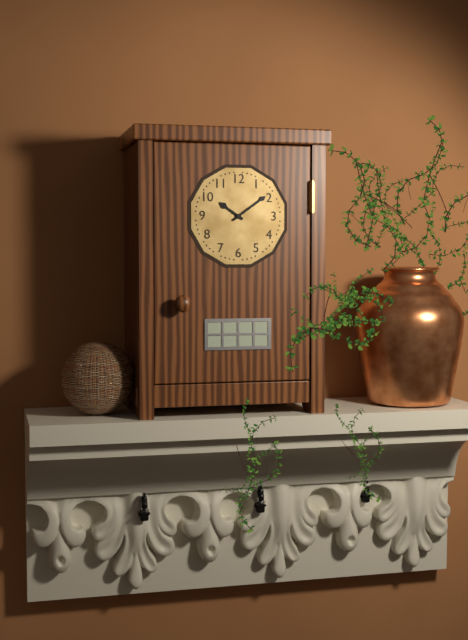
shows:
10,09
